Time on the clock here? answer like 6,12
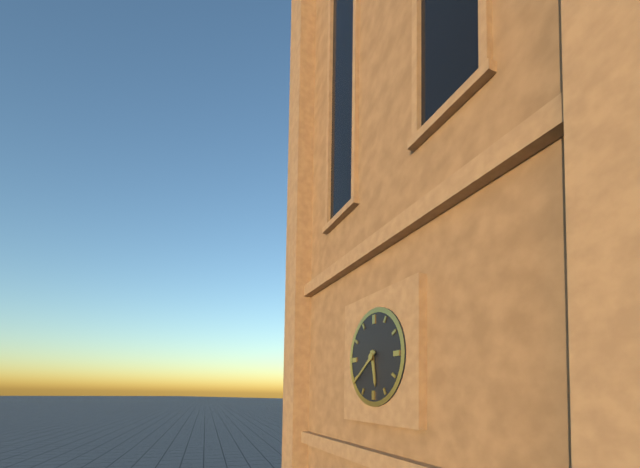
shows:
5,39
